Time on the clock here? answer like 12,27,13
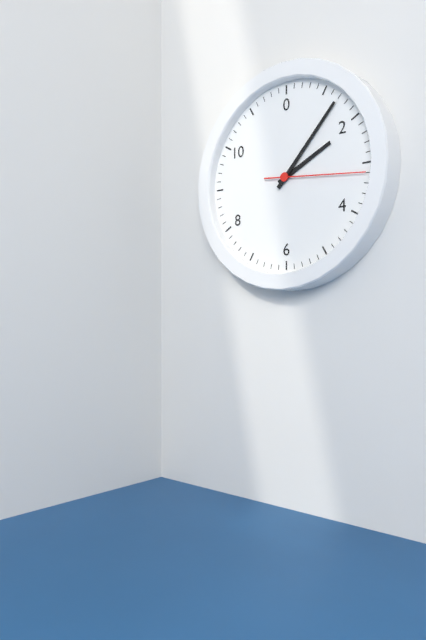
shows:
2,07,16
